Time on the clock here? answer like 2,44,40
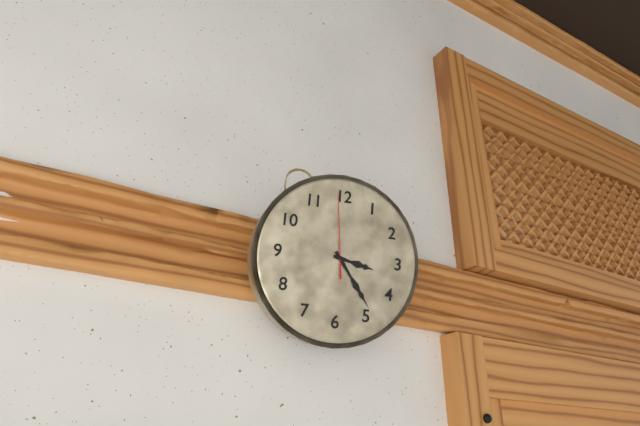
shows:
3,24,59
